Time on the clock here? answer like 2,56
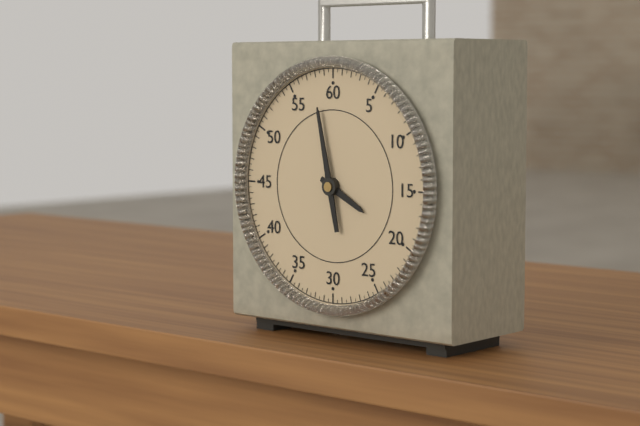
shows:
3,58
